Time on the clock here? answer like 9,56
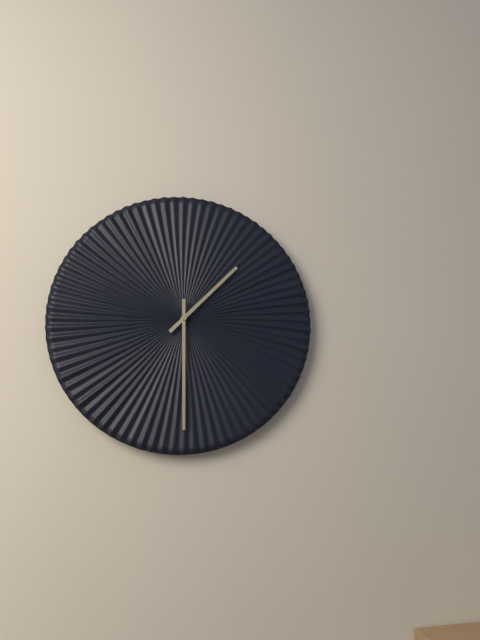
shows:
1,30
